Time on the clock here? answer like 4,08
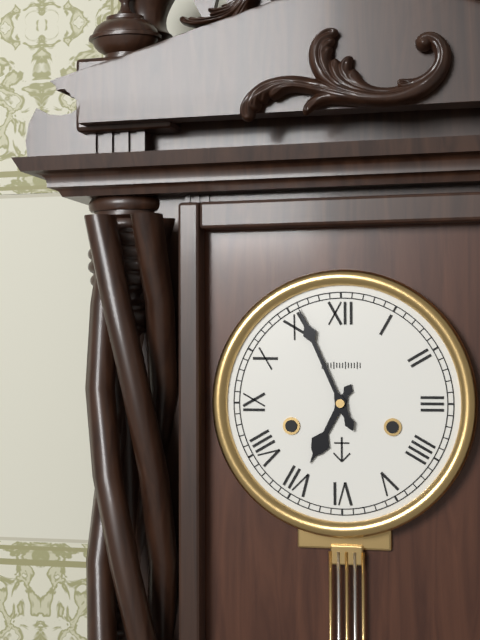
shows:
6,56
